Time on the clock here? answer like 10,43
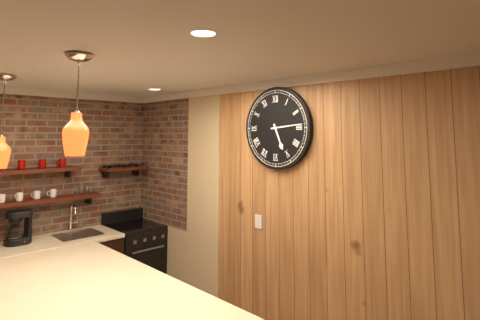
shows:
5,14
